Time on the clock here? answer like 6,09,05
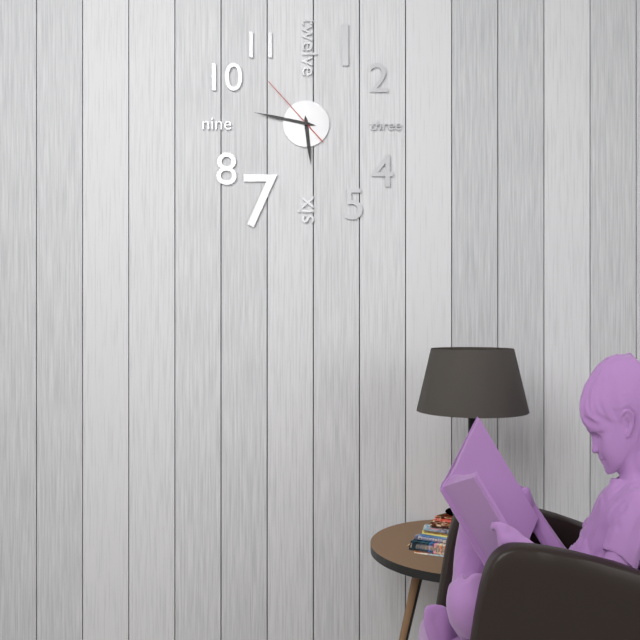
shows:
5,47,53
